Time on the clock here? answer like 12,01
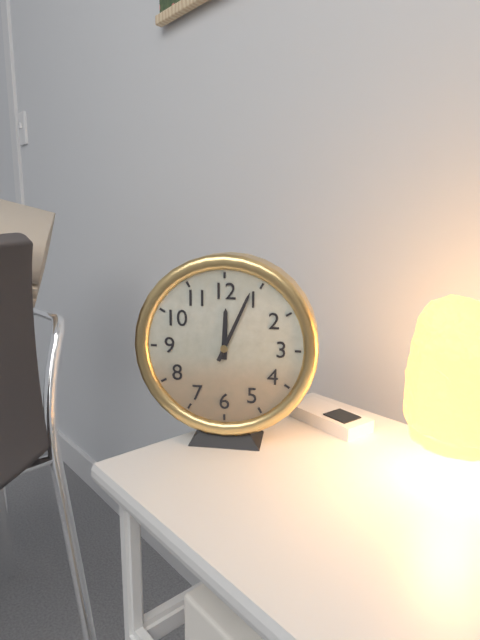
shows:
12,04
